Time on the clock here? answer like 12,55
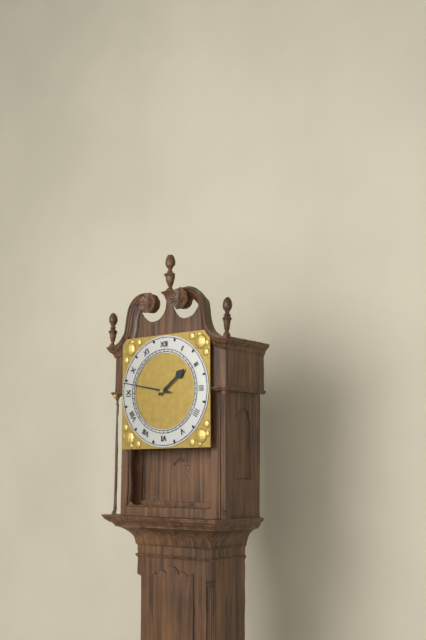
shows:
1,47
